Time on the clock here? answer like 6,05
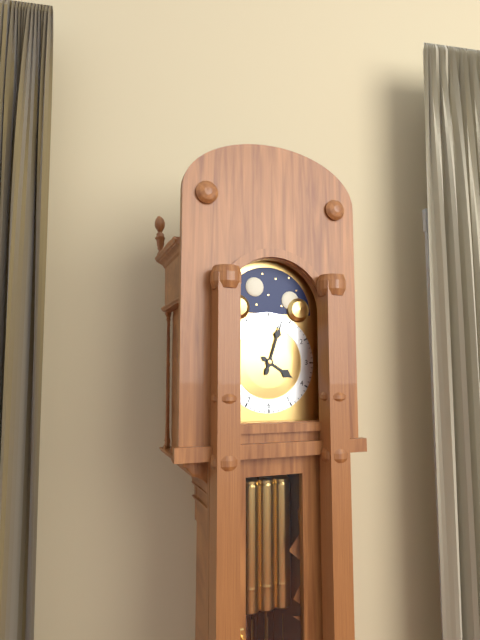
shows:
4,03
